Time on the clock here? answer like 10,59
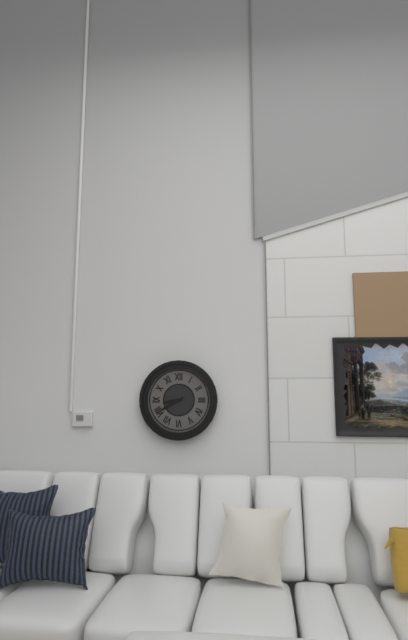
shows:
8,40
